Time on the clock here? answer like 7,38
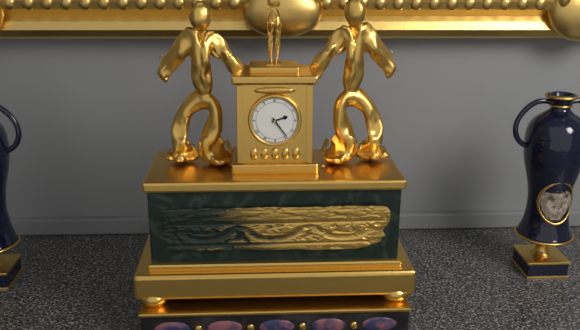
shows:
2,24
